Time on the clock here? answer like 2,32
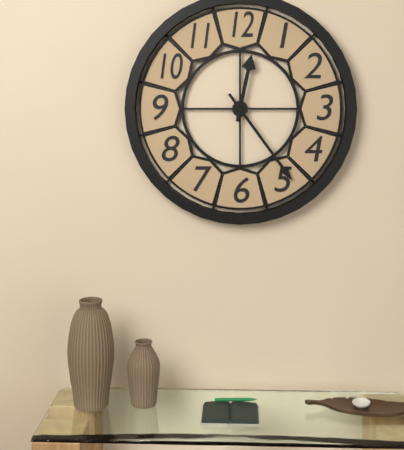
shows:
12,24
